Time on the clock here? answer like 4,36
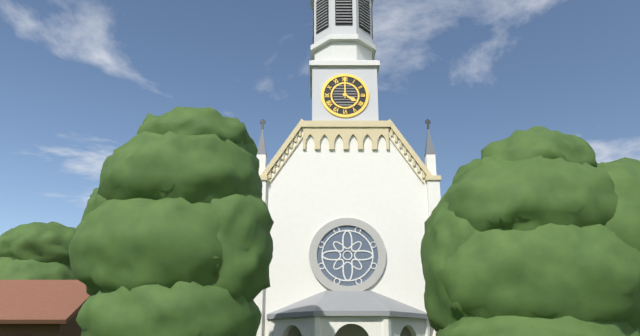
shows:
4,00
